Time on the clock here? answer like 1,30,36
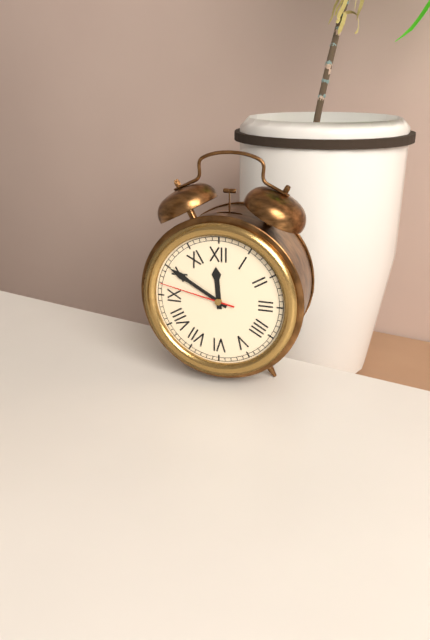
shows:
11,50,47
